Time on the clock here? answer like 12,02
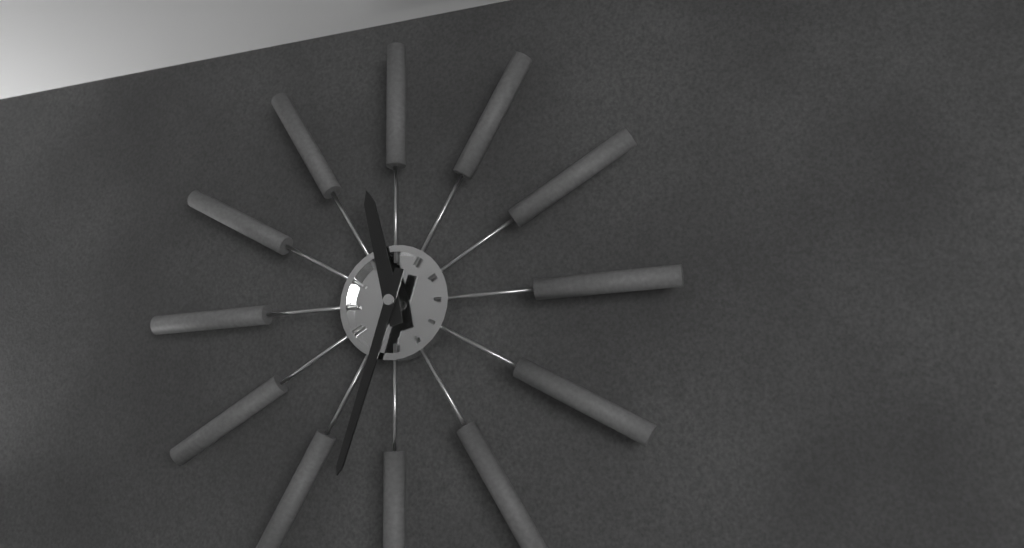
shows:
11,33
